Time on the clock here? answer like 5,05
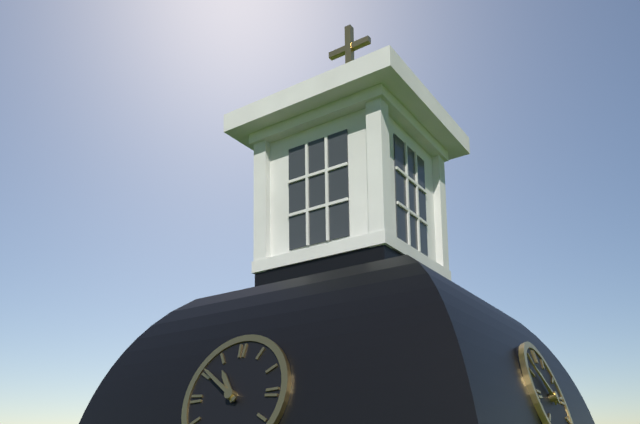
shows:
10,51
